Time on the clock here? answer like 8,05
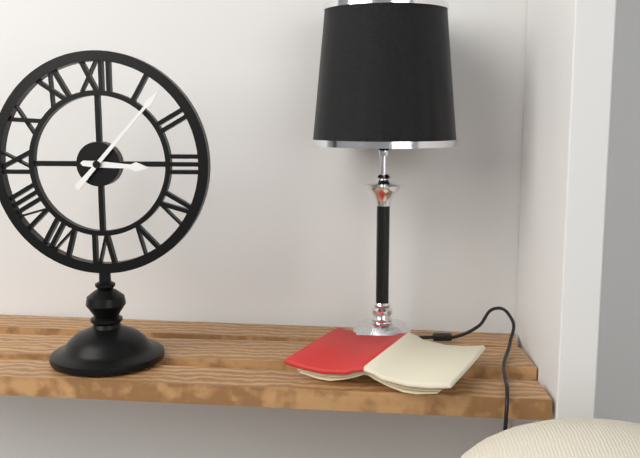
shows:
3,07
